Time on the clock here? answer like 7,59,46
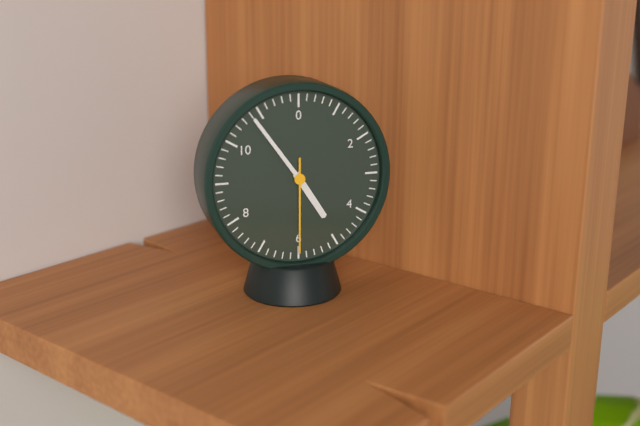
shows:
4,54,30
